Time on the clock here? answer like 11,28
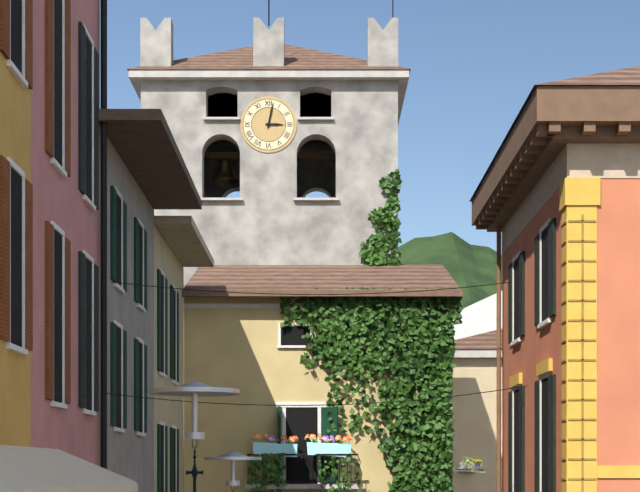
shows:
3,02
